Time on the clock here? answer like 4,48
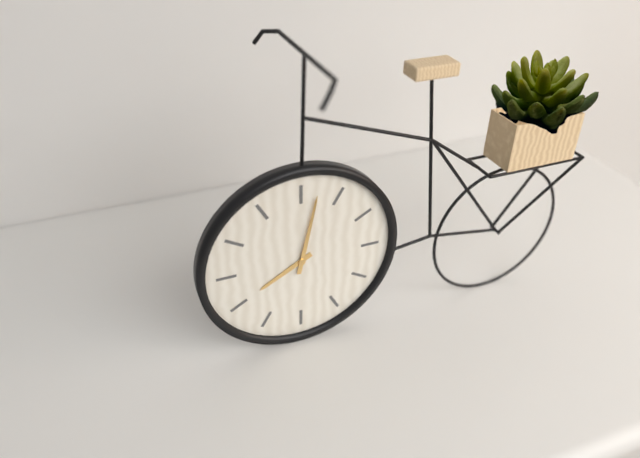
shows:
8,02
